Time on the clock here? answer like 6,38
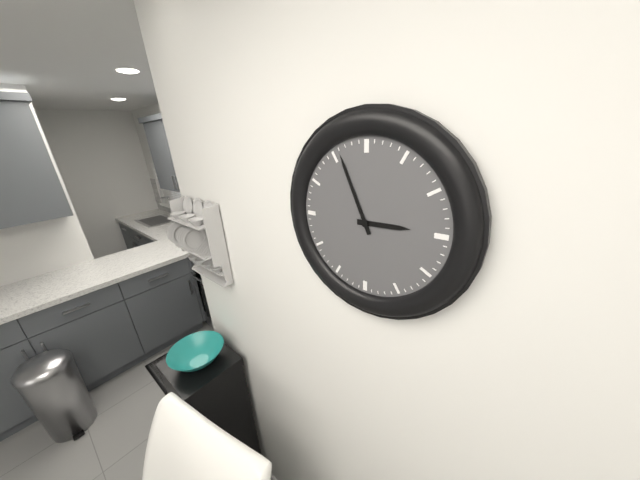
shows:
2,56
